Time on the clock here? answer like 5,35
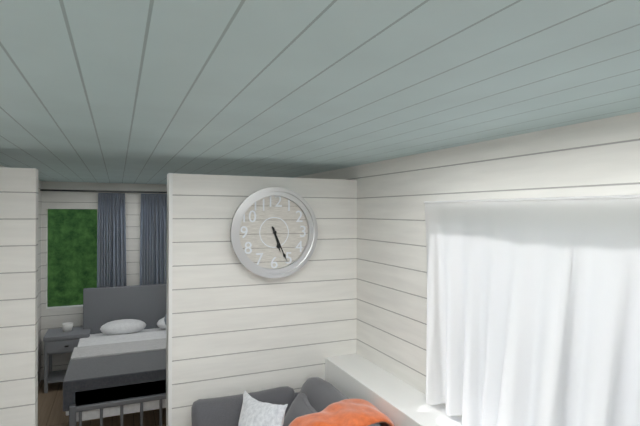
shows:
5,26
